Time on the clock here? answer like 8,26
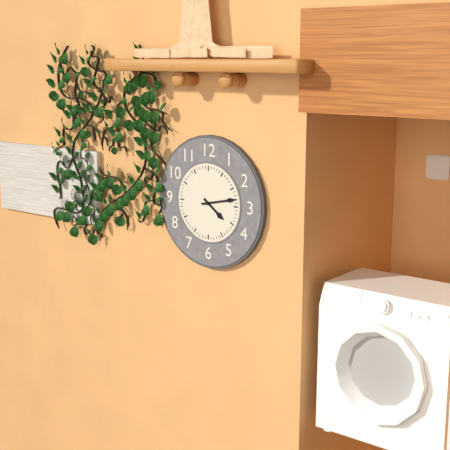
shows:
4,13
